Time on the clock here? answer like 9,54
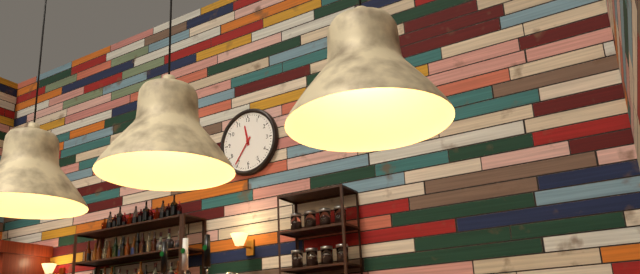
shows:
11,36
